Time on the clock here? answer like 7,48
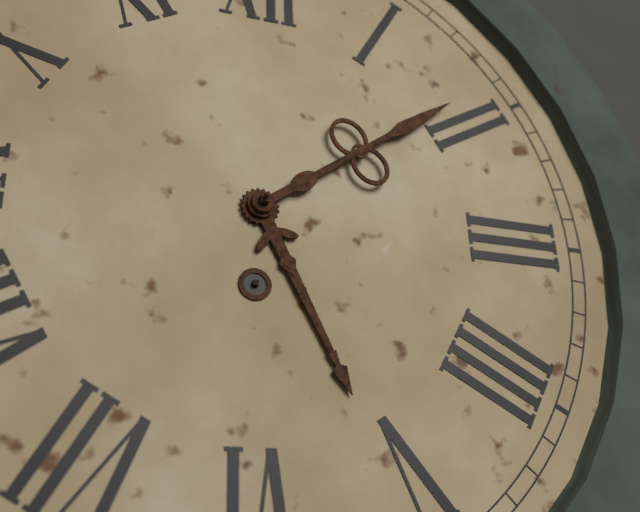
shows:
5,09
